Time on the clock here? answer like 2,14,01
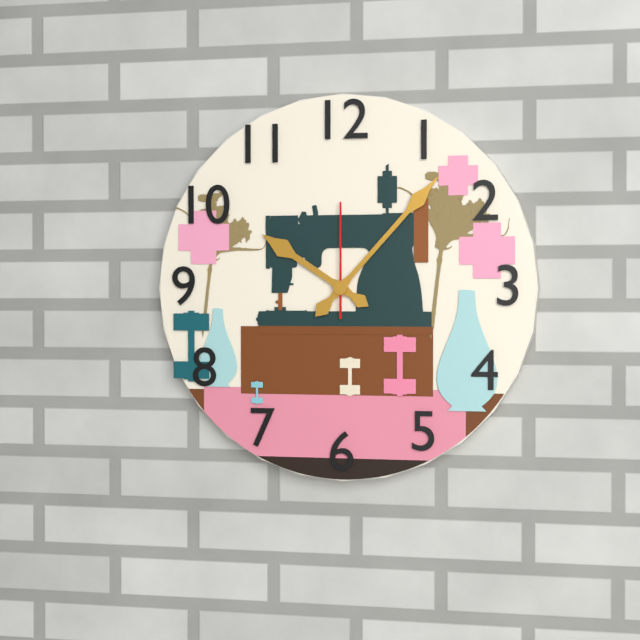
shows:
10,07,00
